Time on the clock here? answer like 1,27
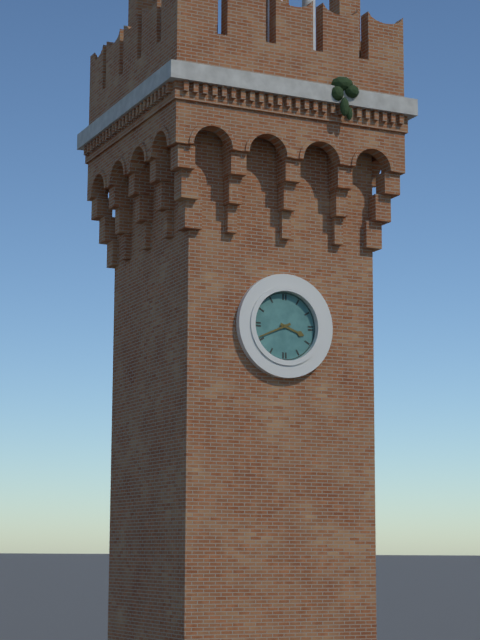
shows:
3,41
